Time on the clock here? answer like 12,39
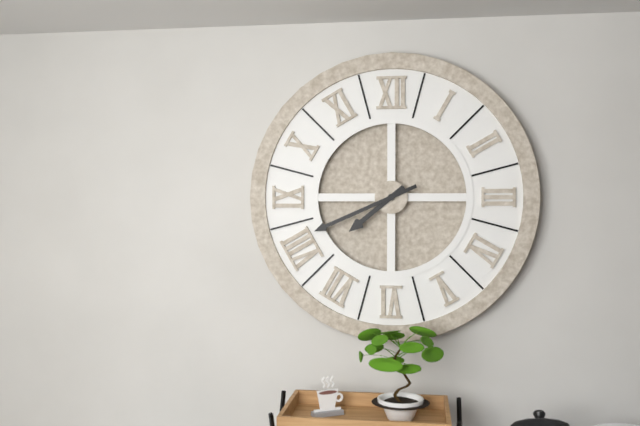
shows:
7,41
